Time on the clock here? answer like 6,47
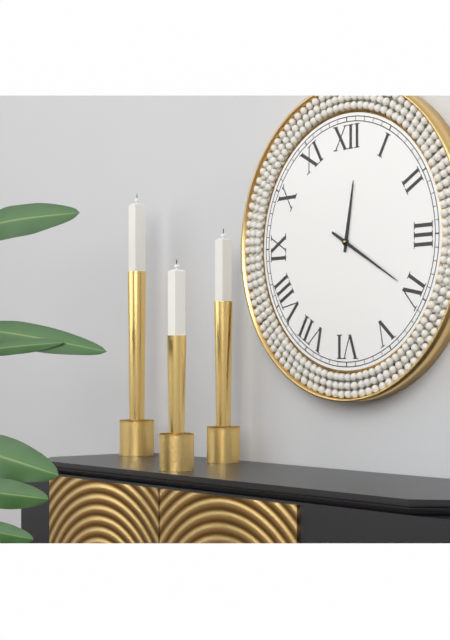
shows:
12,20
